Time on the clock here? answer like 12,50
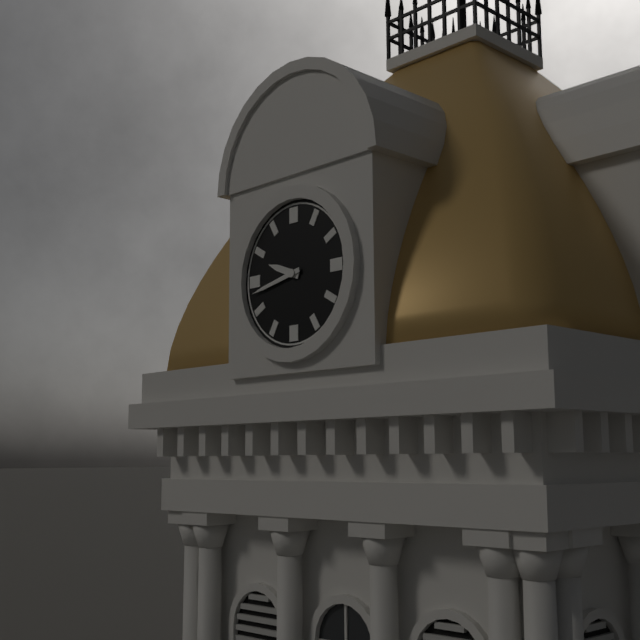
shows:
9,43
